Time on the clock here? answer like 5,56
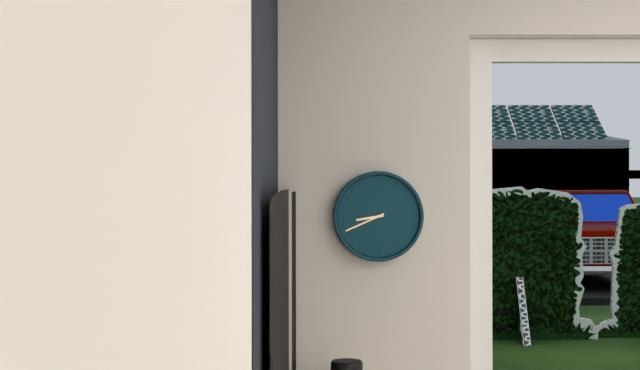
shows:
8,41
